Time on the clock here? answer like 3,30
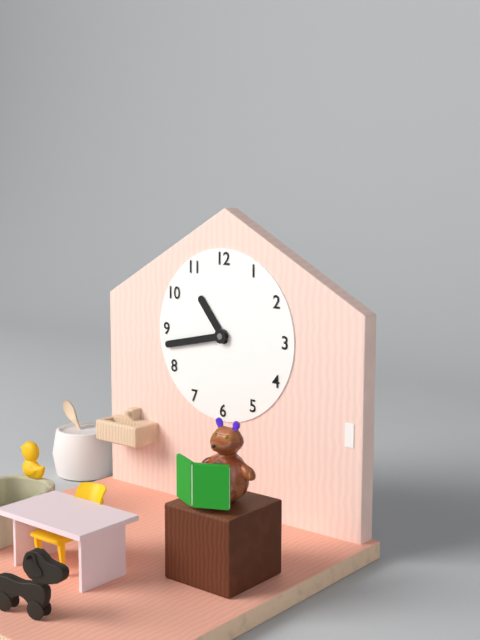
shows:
10,43
